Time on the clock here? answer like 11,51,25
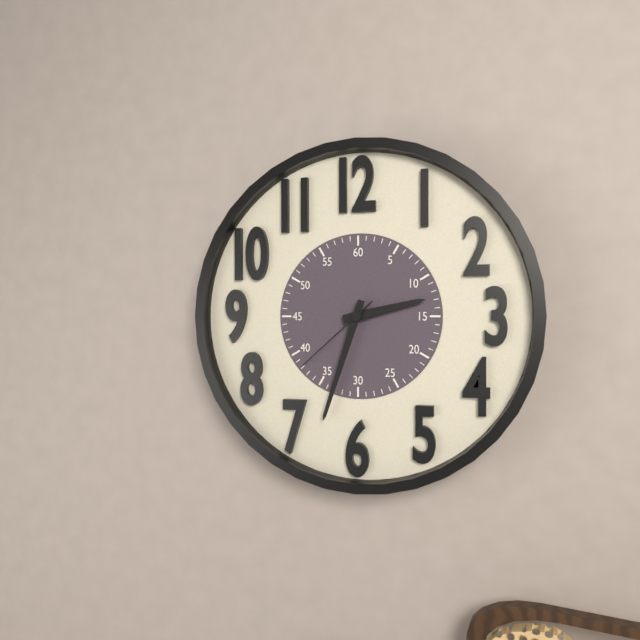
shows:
2,33,38
